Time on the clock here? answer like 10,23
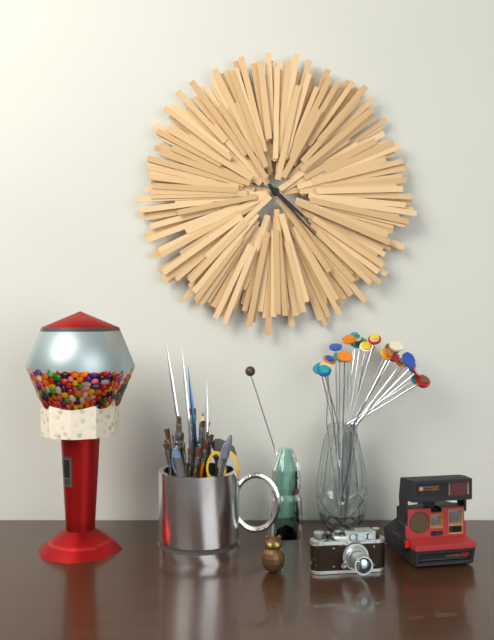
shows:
4,23
